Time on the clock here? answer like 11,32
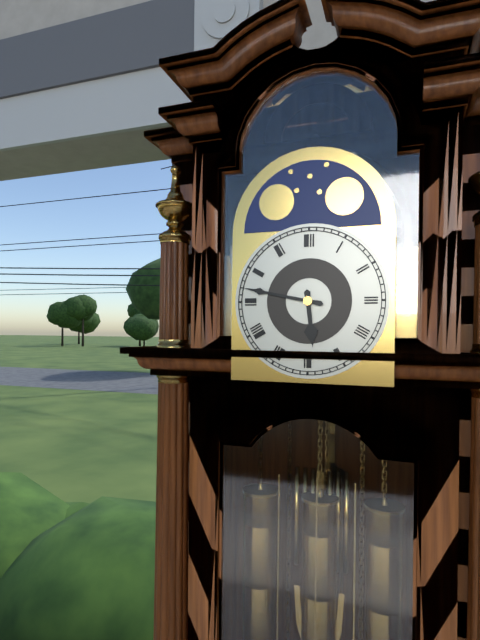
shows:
5,47
